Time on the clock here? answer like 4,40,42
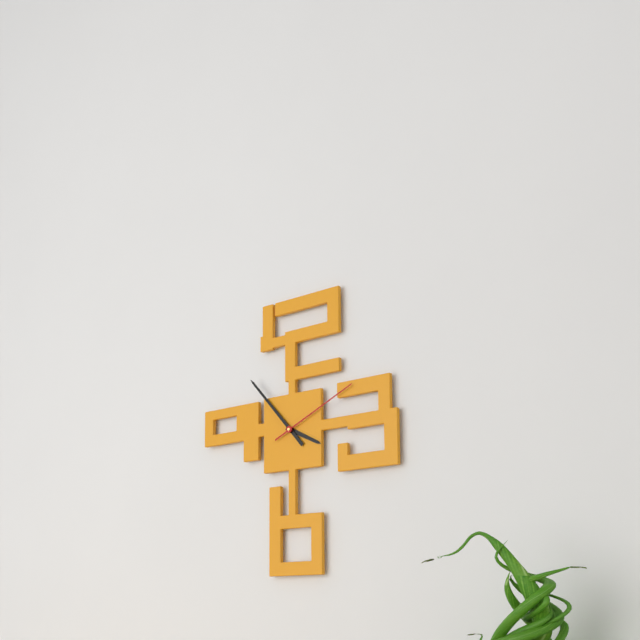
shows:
3,53,11
